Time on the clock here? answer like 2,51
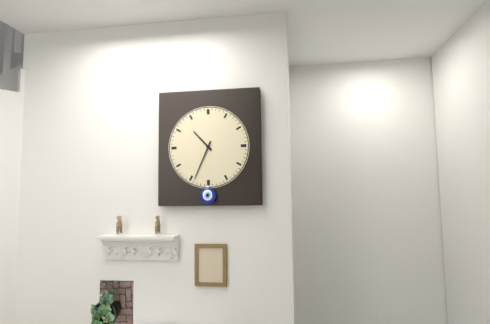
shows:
10,34
